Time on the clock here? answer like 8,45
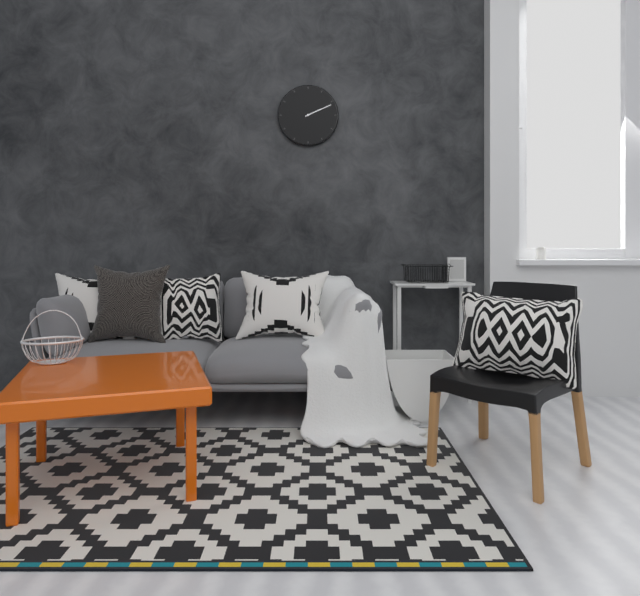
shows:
2,11
